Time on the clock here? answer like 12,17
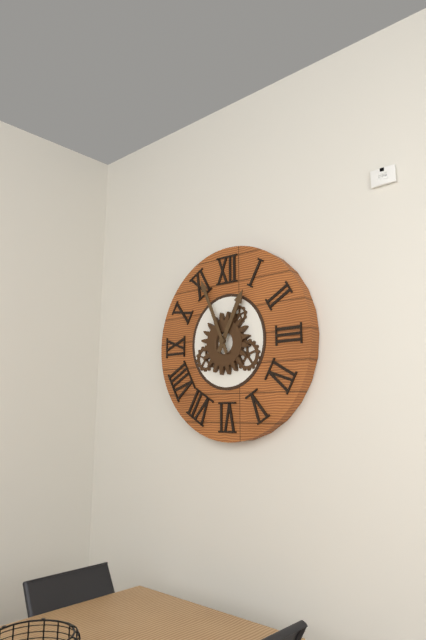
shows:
12,56
